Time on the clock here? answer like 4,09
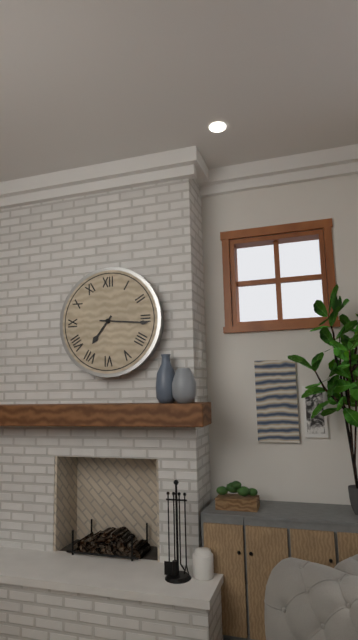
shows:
7,16
